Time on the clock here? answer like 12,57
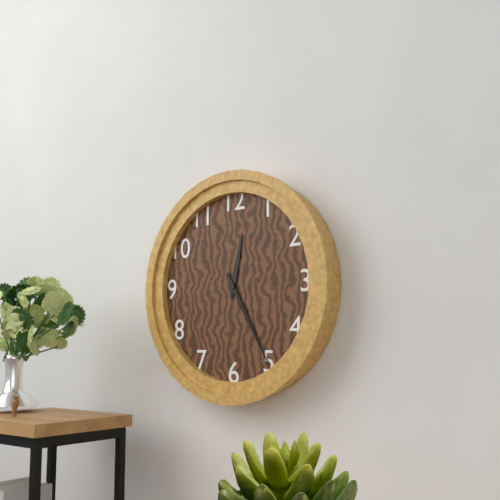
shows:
12,25
